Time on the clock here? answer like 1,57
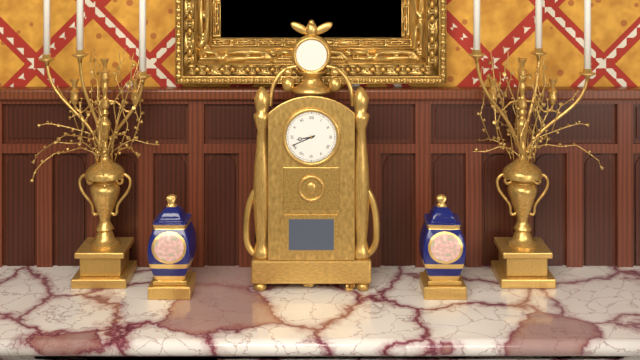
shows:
8,41
